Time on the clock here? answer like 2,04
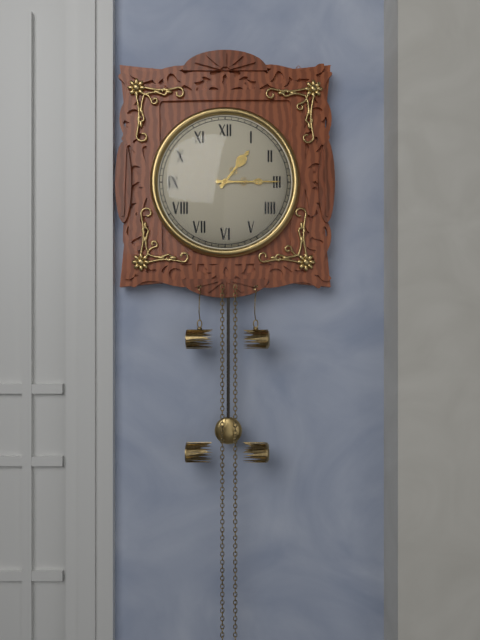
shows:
1,15
